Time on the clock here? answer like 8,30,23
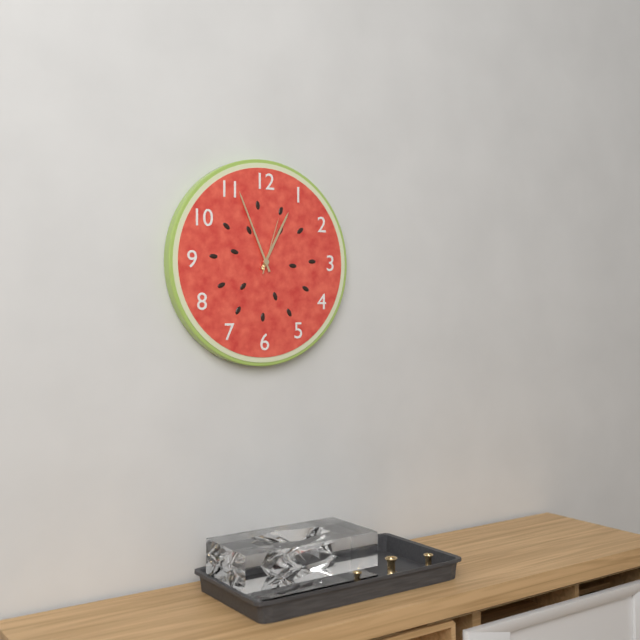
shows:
12,56,03
